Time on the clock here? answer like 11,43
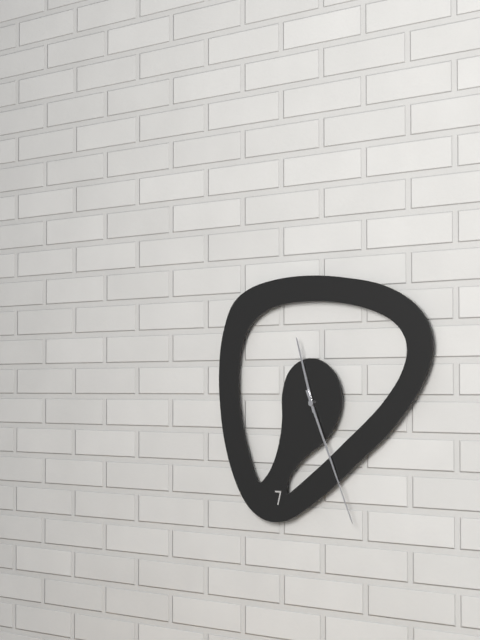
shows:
11,26
